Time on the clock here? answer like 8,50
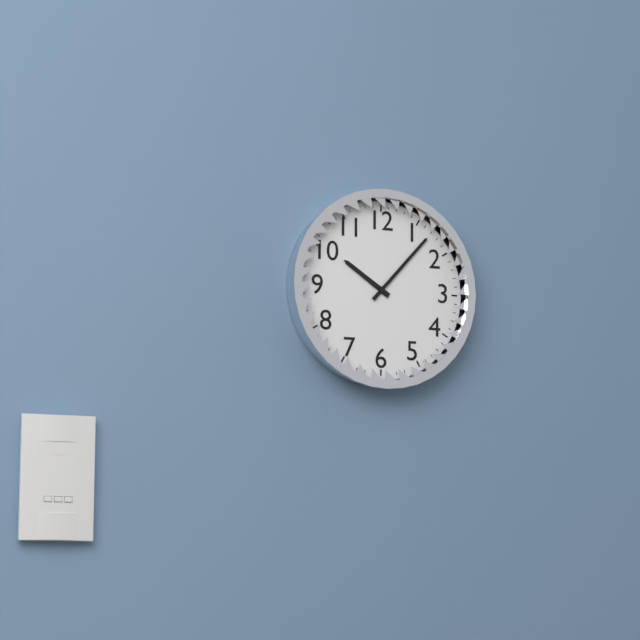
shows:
10,07
